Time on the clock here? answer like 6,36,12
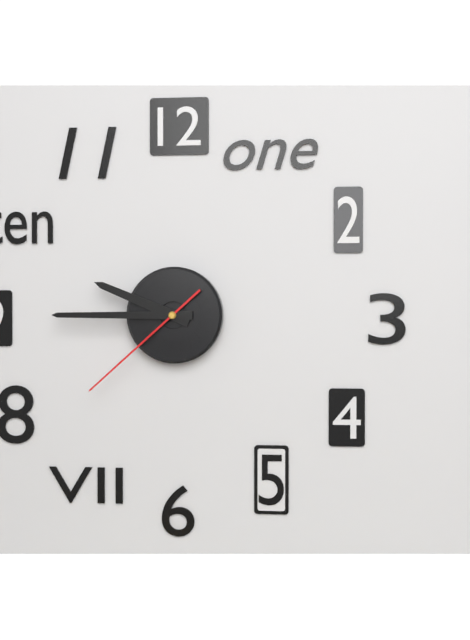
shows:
9,45,38
